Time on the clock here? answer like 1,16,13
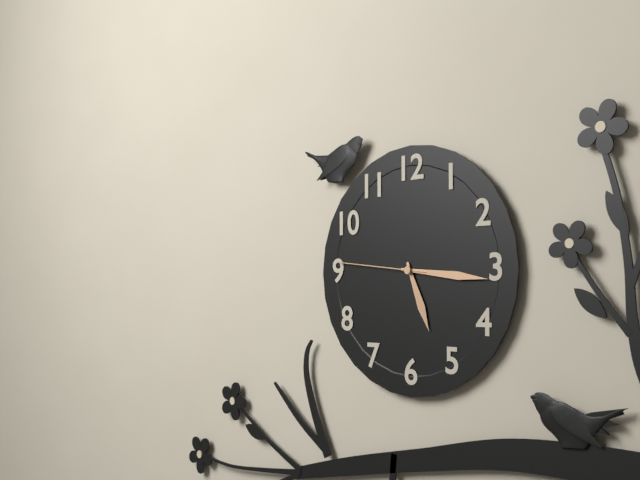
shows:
5,16,46
